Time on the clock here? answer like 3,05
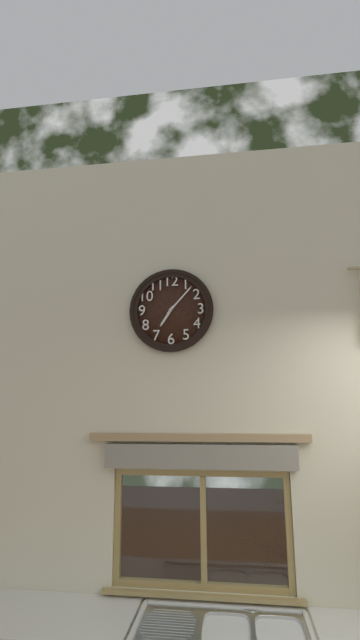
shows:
7,07
